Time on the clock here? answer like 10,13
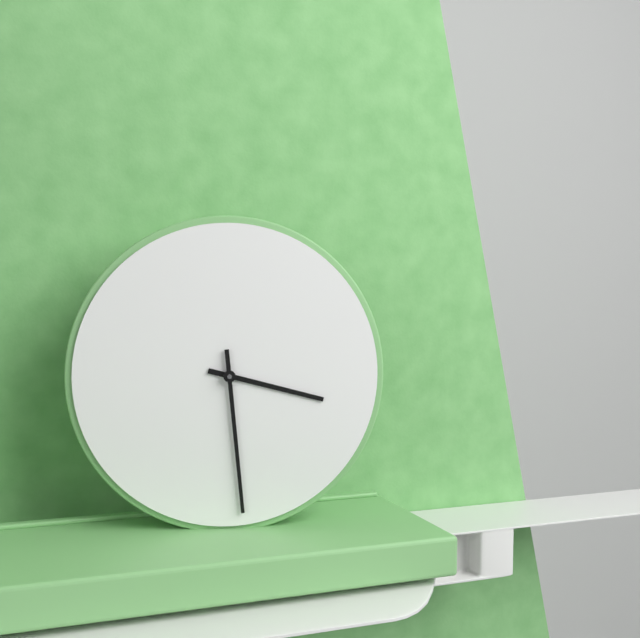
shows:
3,29
